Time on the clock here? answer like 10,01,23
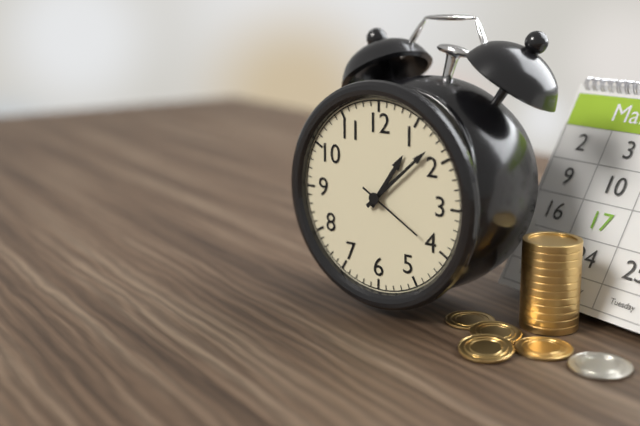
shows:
1,08,20
